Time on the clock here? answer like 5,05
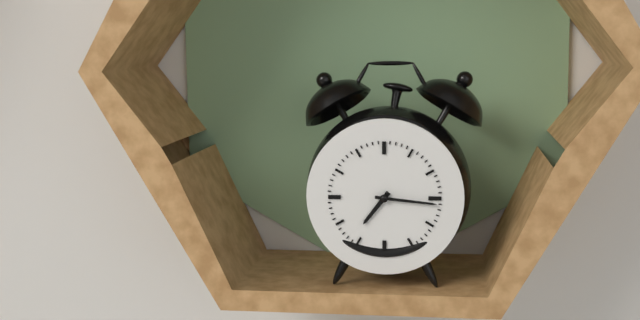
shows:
7,16
